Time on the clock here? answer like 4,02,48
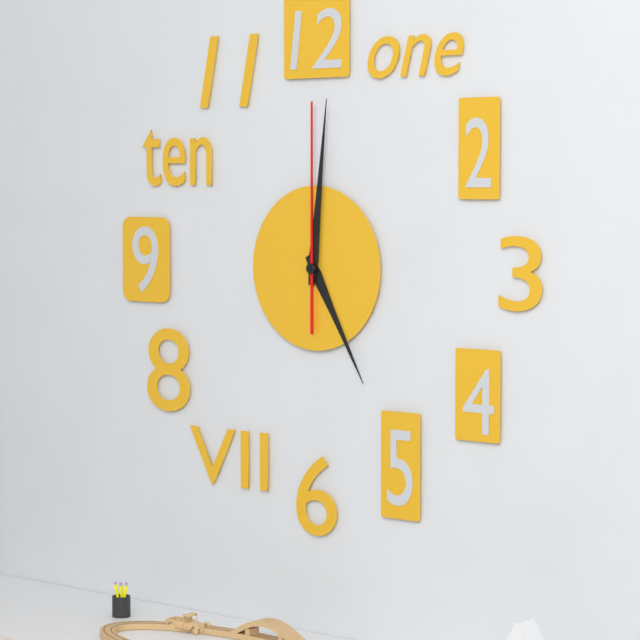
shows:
5,01,00
